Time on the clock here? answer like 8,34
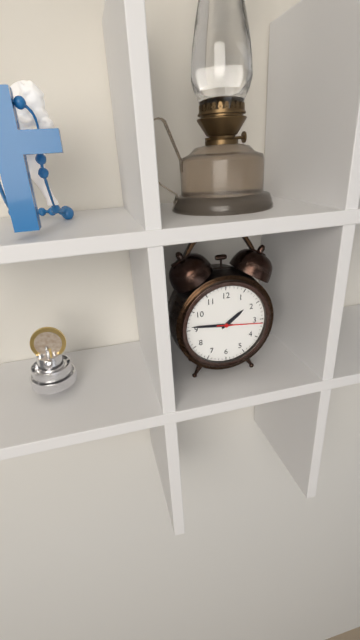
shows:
1,46
